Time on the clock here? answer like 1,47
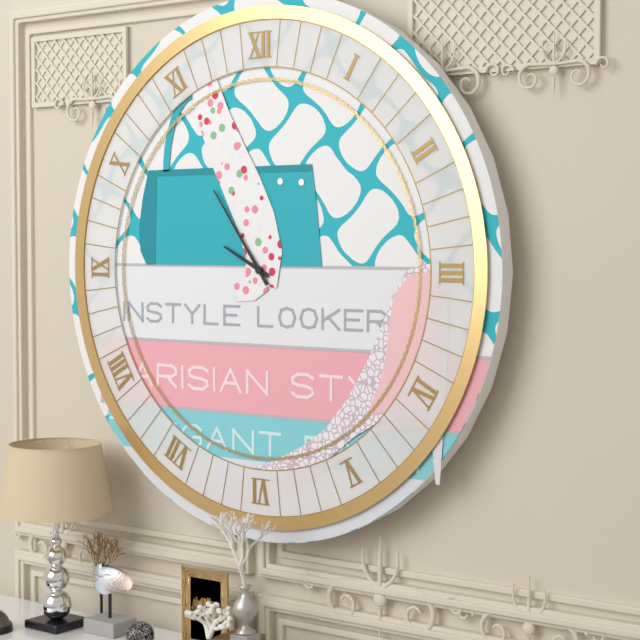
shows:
9,54
